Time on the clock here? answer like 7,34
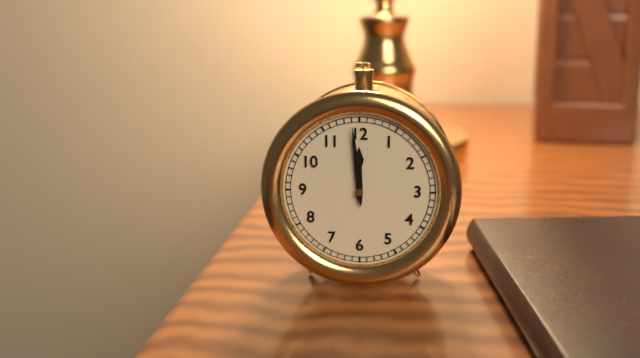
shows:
11,59
